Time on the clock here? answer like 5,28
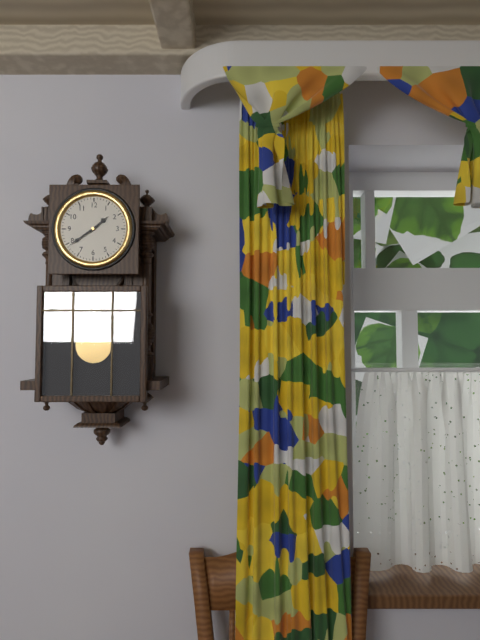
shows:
1,39
